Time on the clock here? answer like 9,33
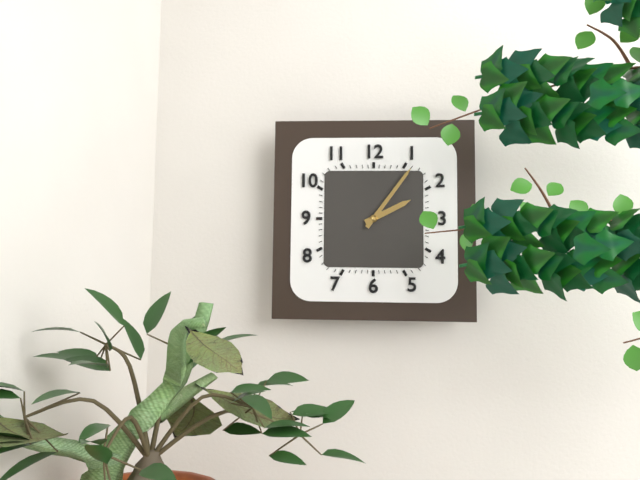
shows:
2,06
